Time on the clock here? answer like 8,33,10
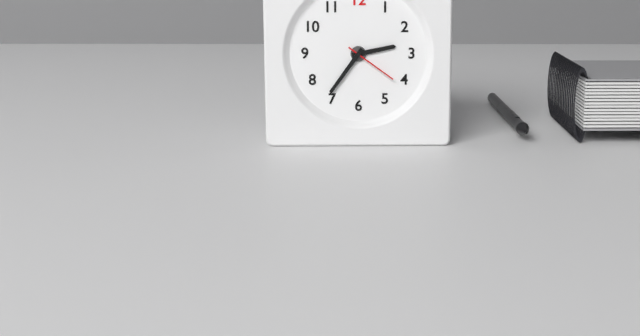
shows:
2,36,21
